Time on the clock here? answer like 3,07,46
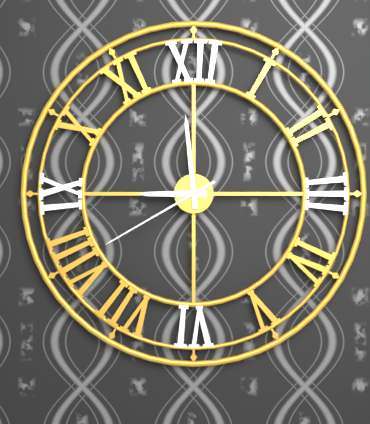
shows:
8,59,40
